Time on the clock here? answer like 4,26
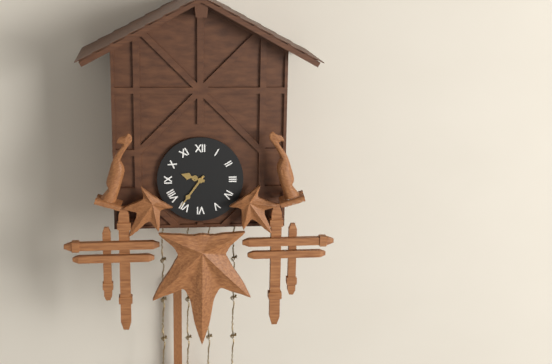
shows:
9,36
